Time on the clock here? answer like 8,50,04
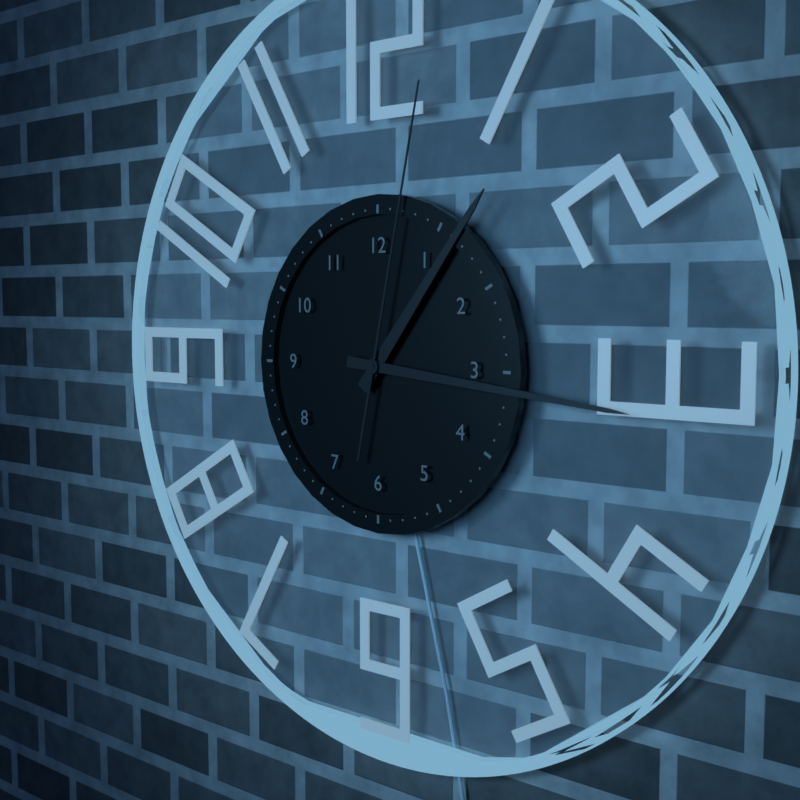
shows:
1,16,02
